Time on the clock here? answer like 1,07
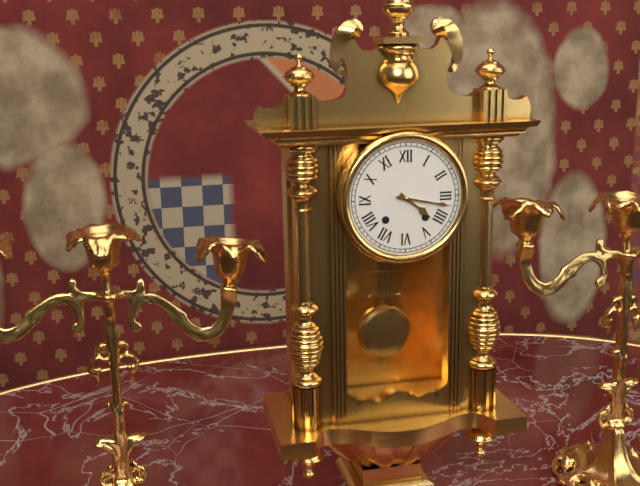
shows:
4,17
